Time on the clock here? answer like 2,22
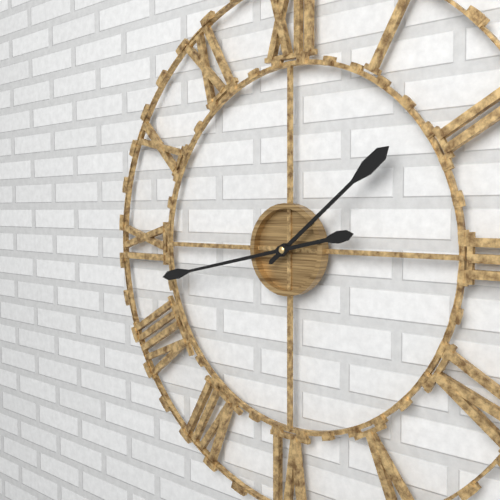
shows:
1,43
